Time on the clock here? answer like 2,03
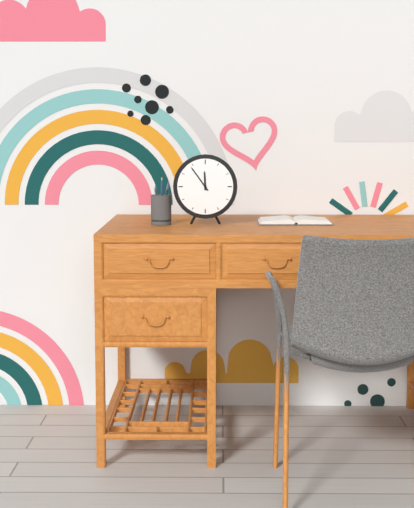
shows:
11,54
